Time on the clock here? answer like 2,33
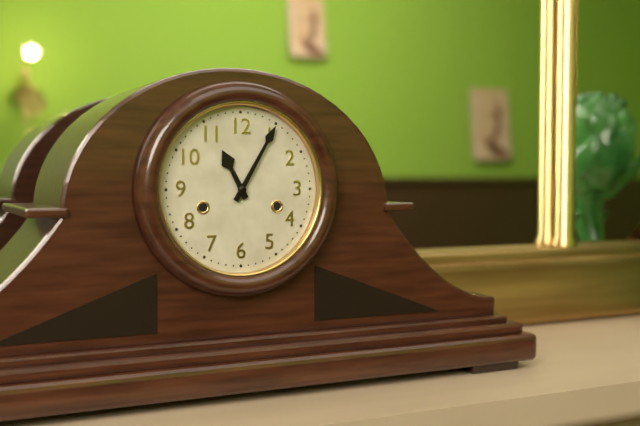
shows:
11,05
